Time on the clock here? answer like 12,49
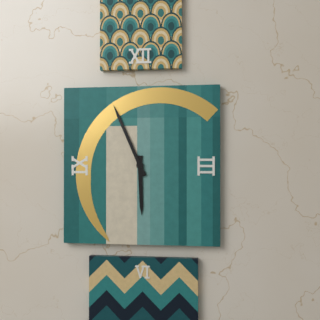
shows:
5,56
